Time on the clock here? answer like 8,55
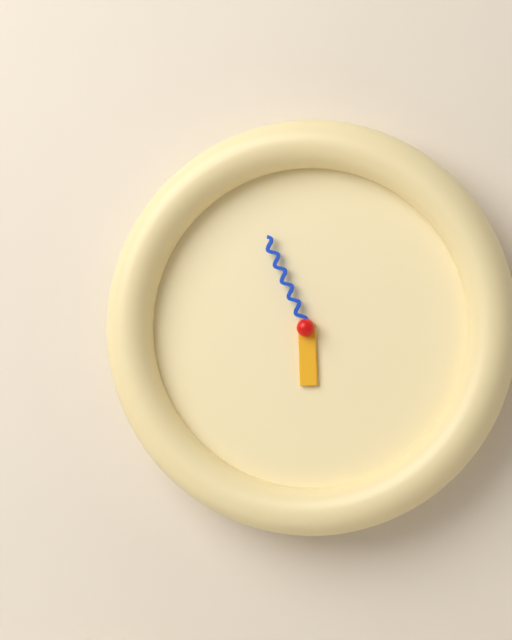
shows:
5,56
